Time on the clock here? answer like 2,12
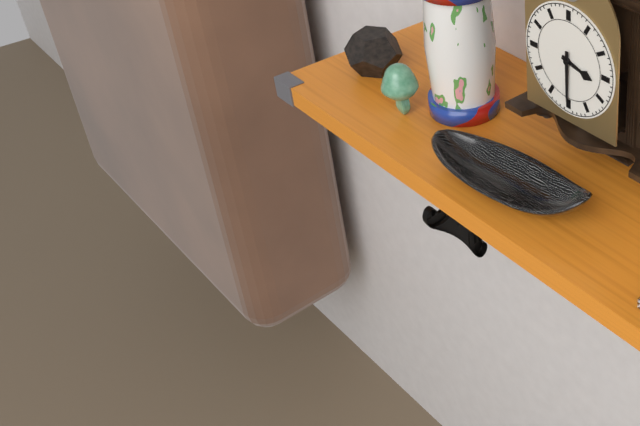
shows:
3,30
